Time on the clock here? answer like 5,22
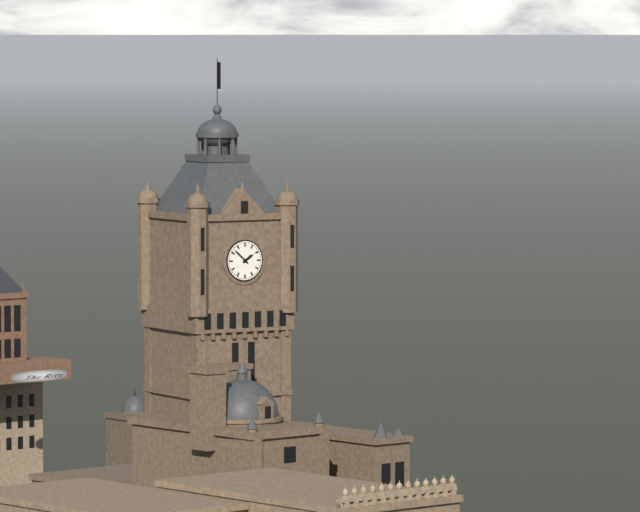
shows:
1,52
